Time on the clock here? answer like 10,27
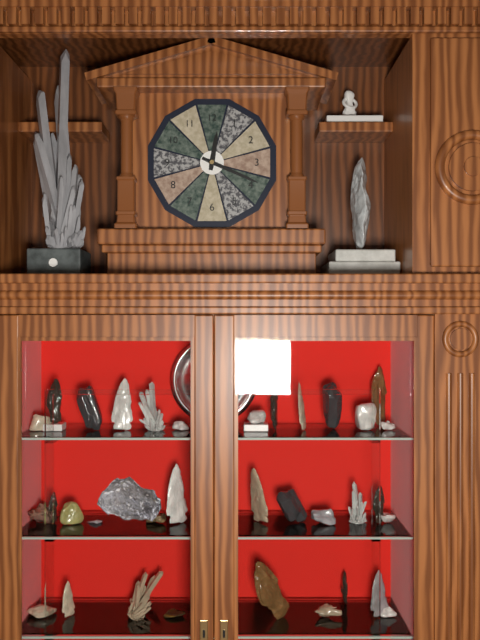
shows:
12,19
